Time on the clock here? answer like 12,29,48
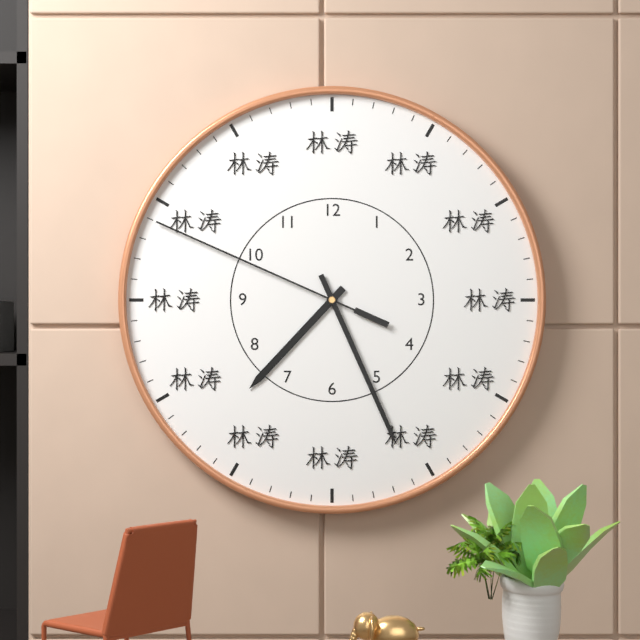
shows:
7,26,49
